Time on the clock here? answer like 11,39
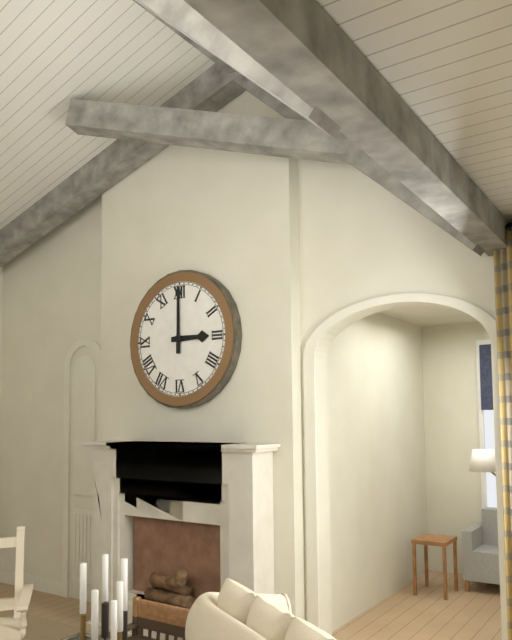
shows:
3,00
